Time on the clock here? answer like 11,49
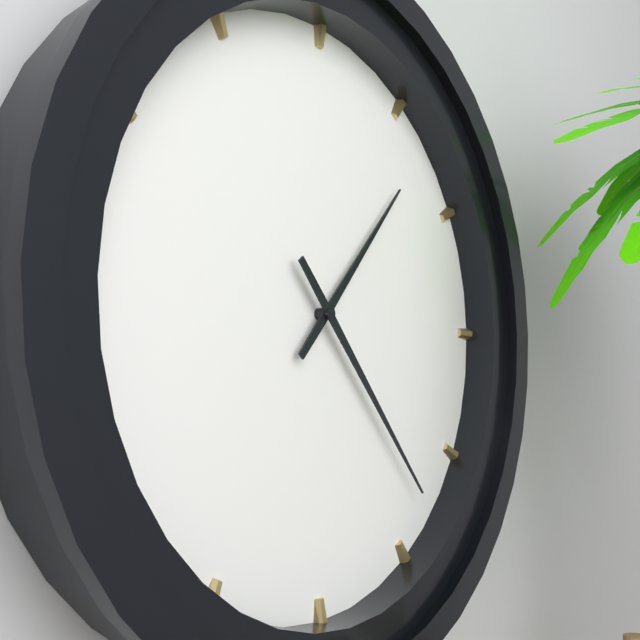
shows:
1,23
